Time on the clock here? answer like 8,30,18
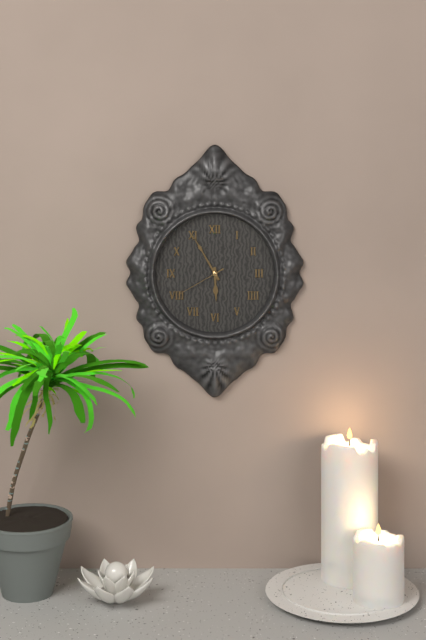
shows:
5,55,40
